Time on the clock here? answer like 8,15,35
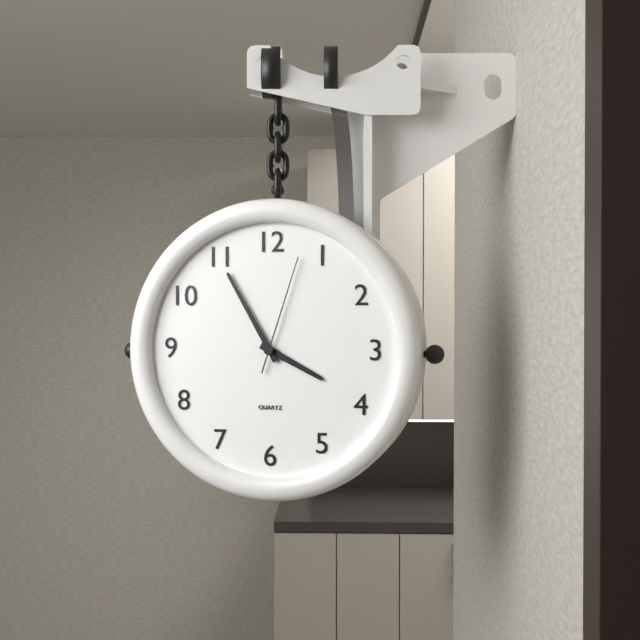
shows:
3,55,03
